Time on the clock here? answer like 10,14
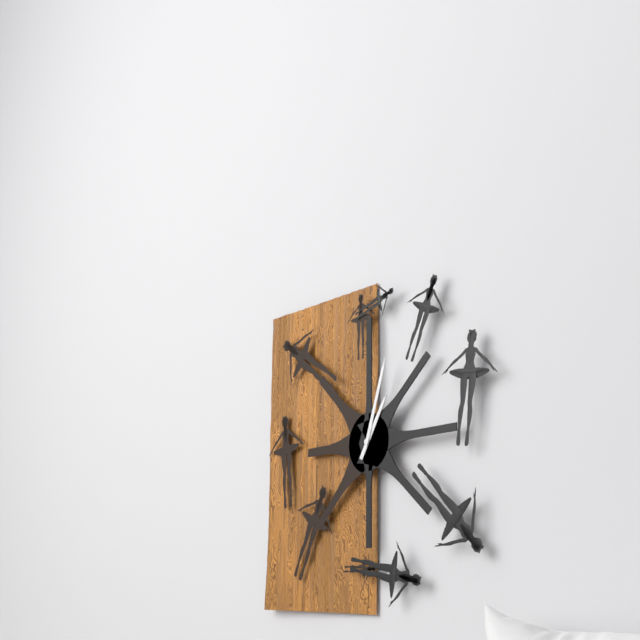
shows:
1,03
